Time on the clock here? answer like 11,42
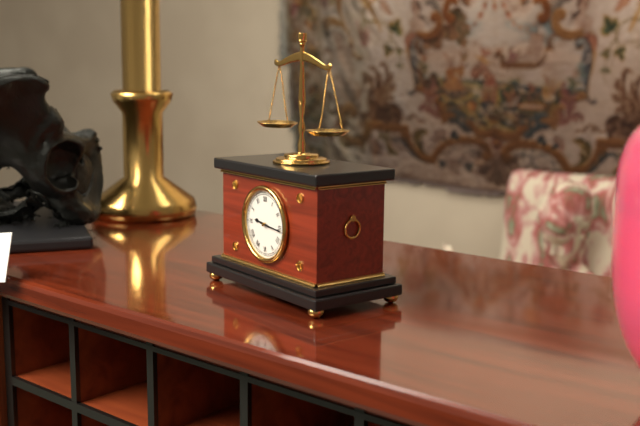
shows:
9,16
